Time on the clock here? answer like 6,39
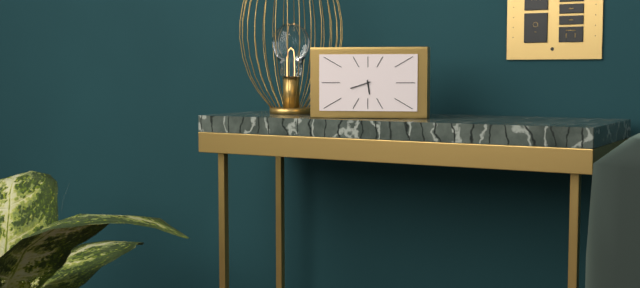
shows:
5,42
